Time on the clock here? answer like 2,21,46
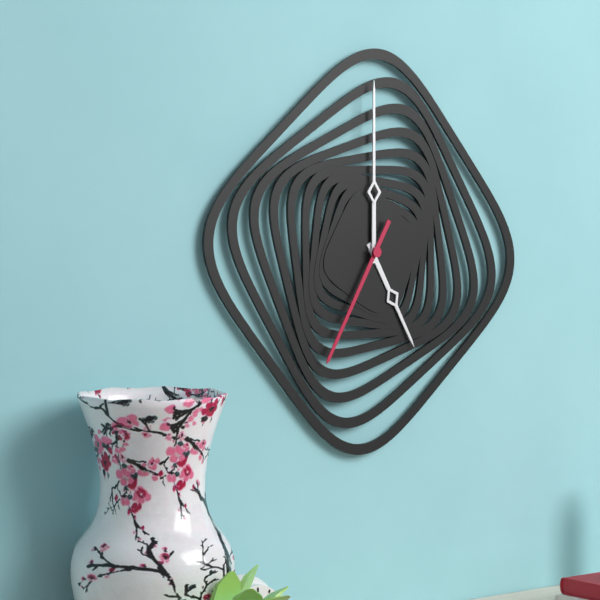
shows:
5,00,35
